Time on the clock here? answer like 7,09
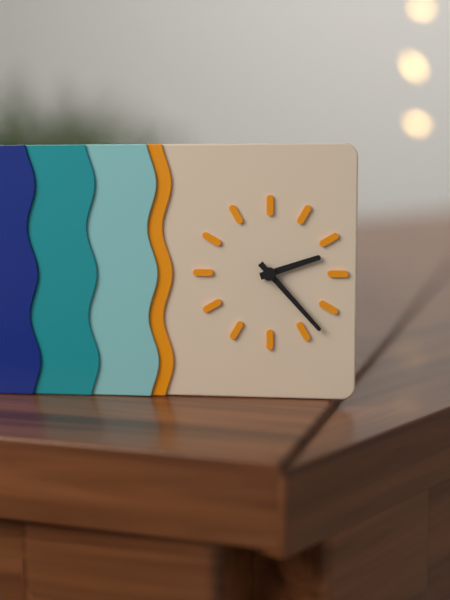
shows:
2,23
